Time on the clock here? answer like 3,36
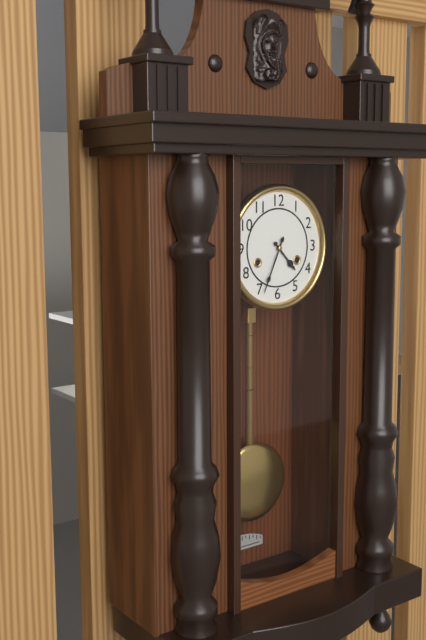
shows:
4,34
